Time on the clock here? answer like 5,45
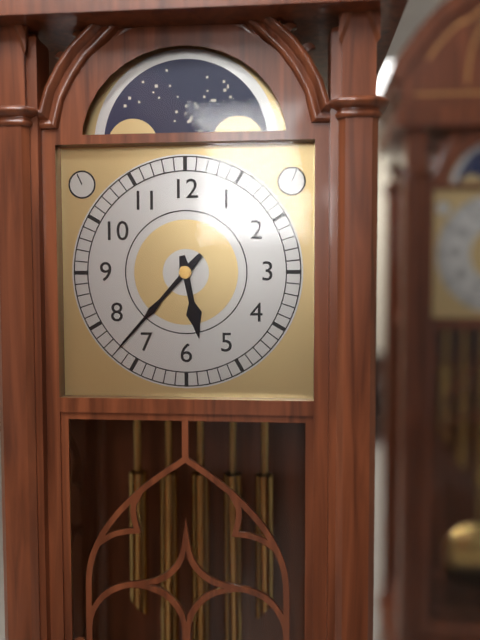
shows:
5,37
